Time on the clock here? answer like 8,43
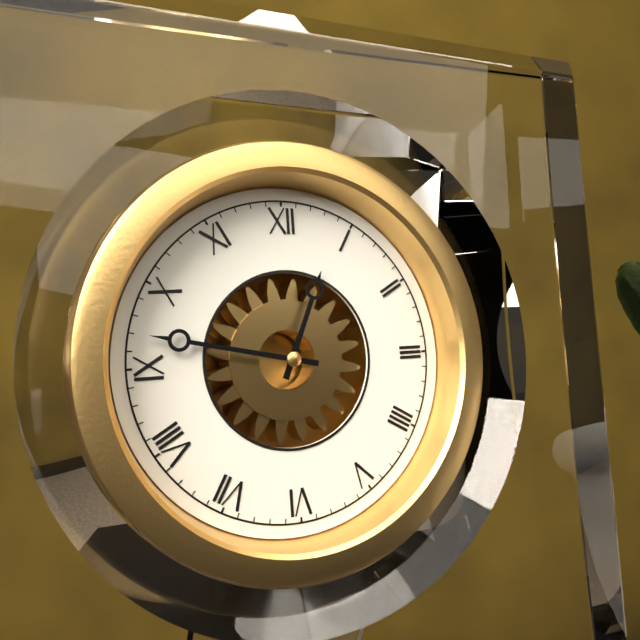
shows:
12,47
